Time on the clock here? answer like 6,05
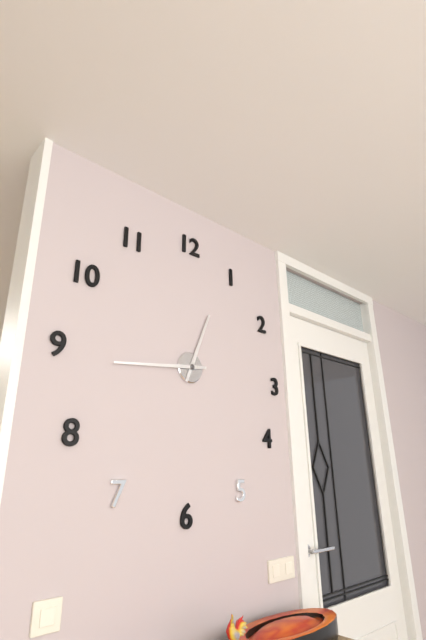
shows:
12,44
